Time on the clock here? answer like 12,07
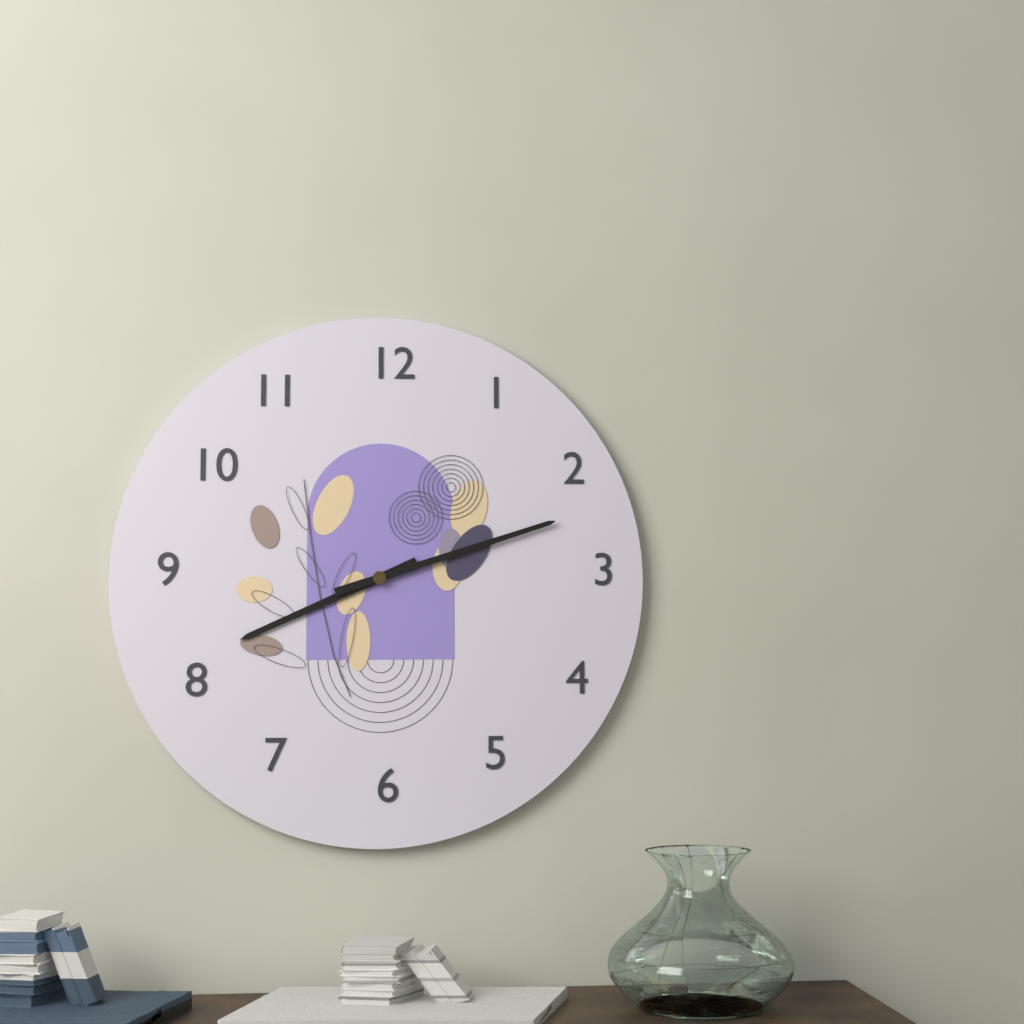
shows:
8,12
